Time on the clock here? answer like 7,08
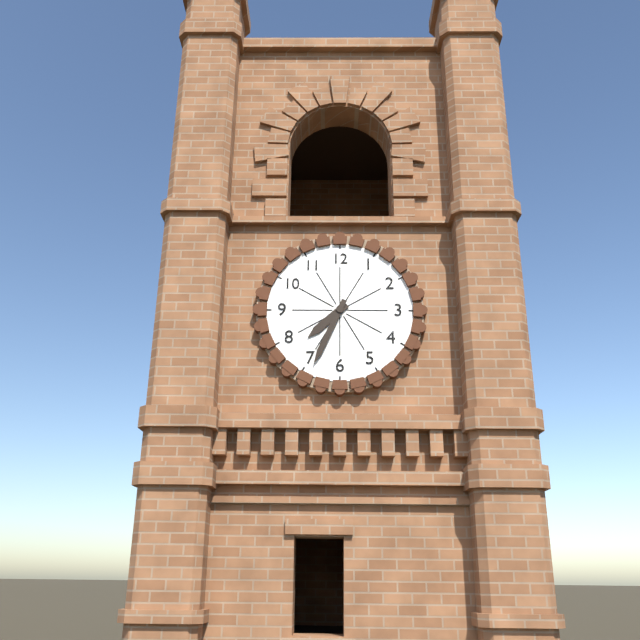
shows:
7,34
